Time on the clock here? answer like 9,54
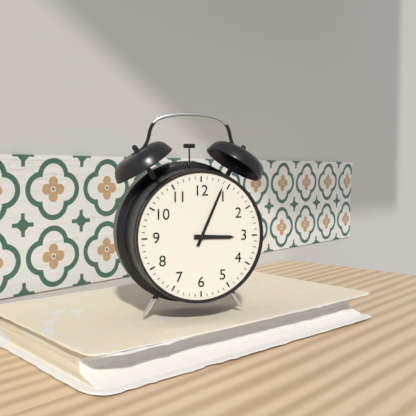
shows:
3,04
